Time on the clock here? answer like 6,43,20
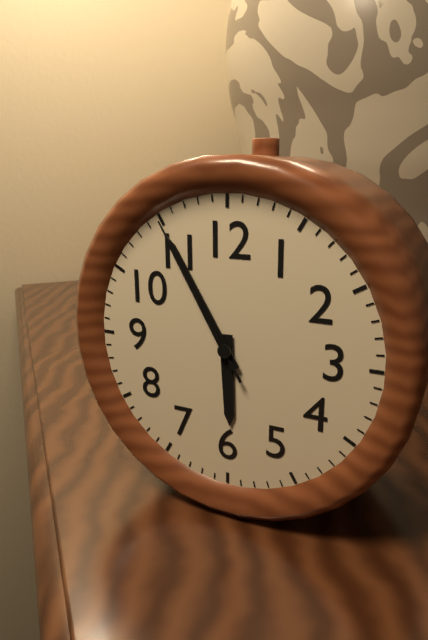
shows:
5,55,55
